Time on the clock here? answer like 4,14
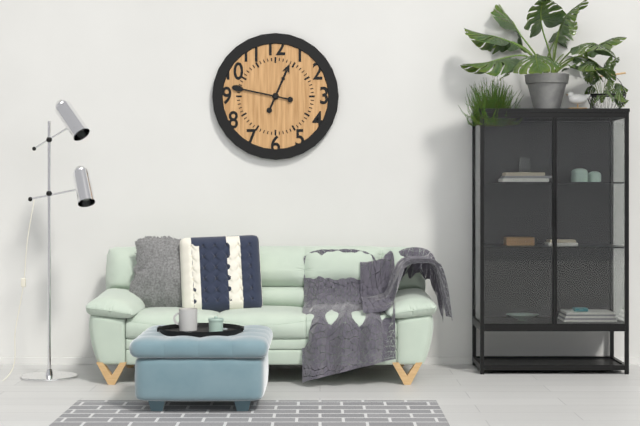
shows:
12,47
